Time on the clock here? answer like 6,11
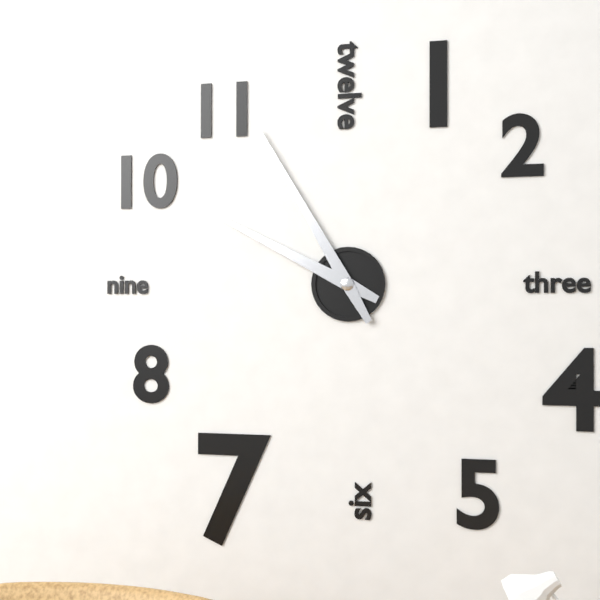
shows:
9,55
